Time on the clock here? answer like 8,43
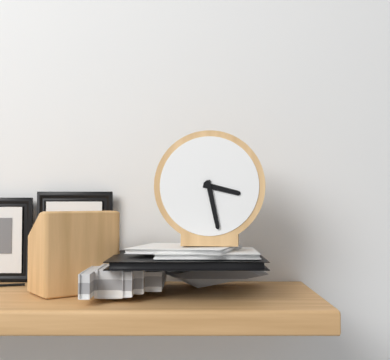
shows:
3,28
